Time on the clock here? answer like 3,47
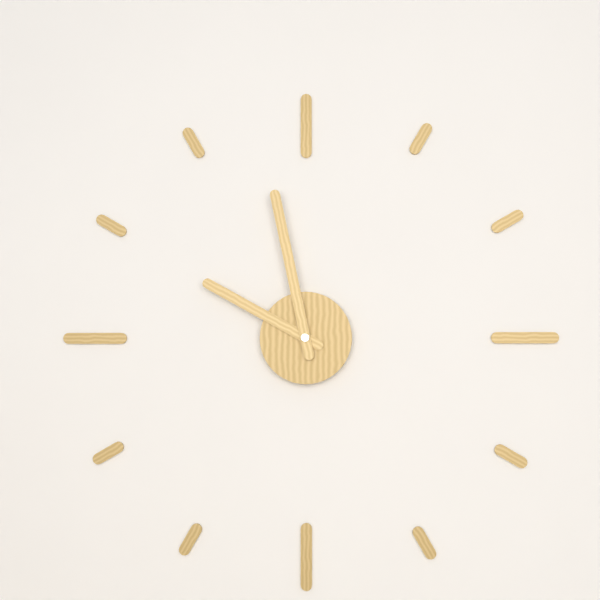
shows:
9,58
